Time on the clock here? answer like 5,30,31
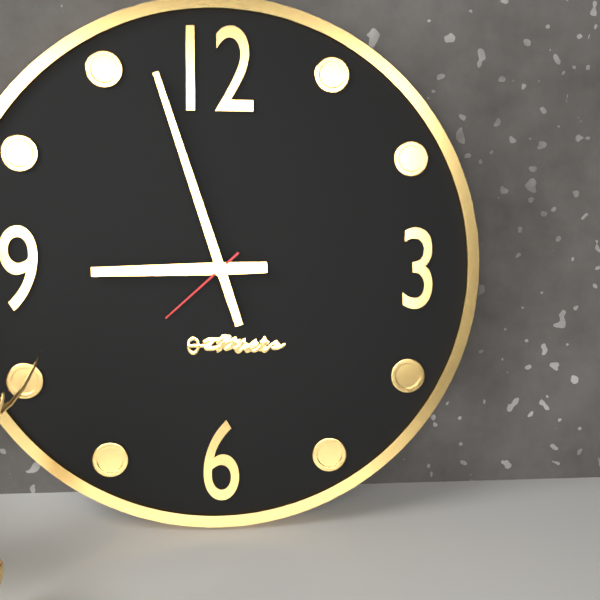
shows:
8,57,38
